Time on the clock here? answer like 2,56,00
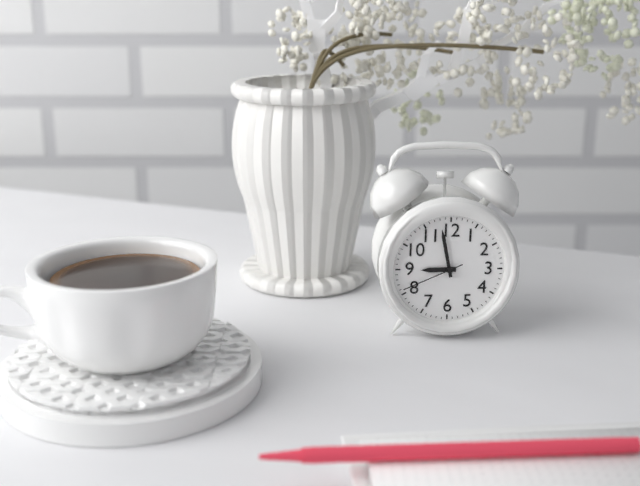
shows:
8,58,41
